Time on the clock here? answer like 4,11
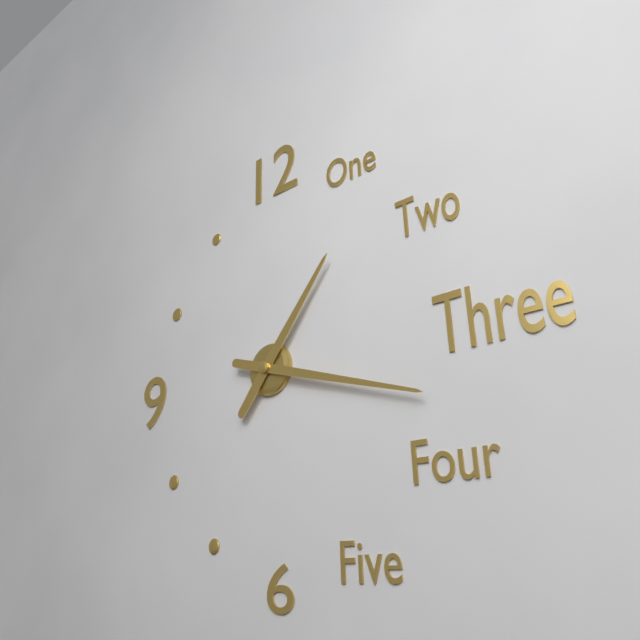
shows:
1,18
